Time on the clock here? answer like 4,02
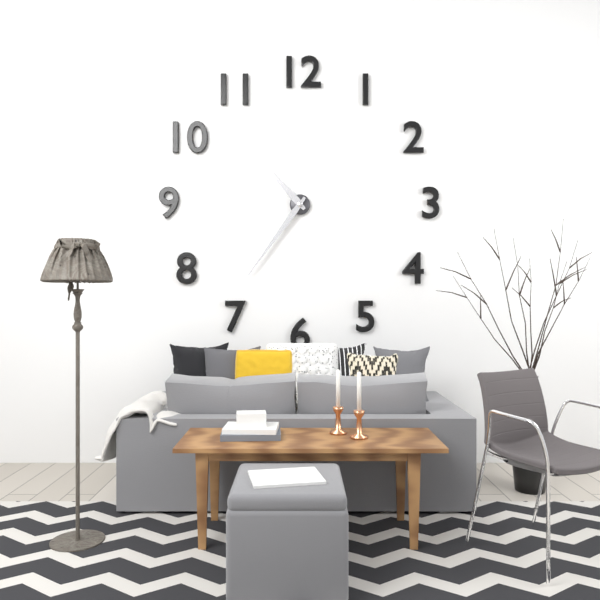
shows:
10,36
